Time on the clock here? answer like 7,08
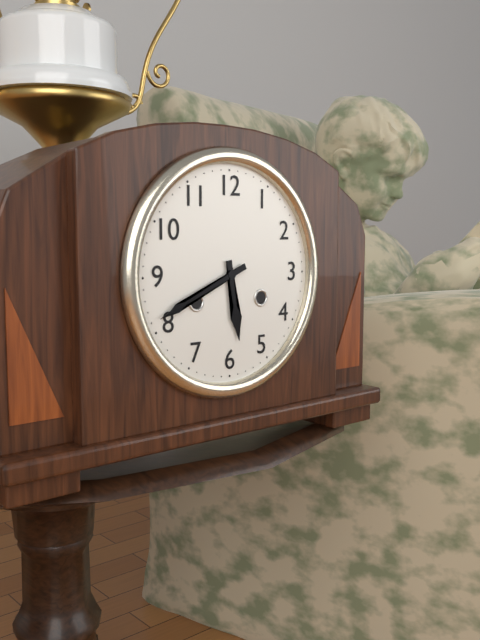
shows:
5,41
